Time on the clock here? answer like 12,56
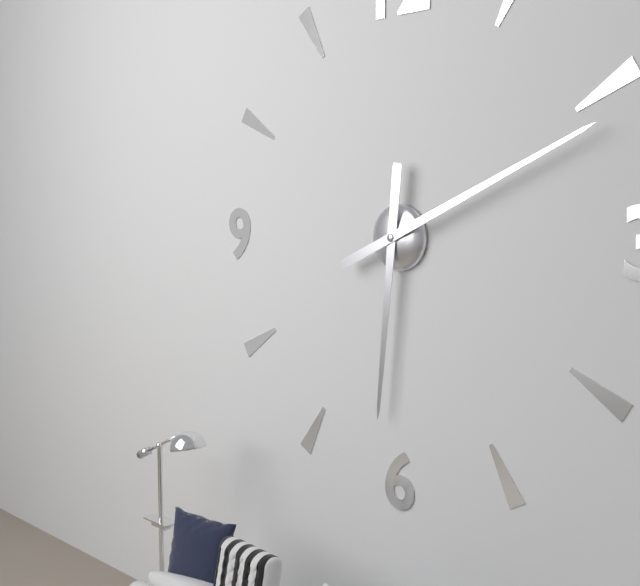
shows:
6,11
